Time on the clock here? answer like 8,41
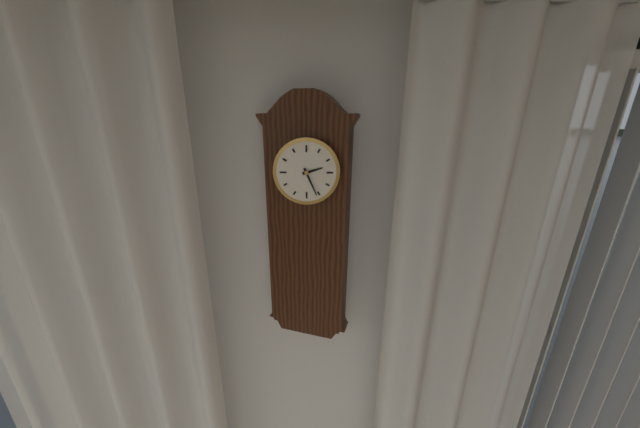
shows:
2,26
